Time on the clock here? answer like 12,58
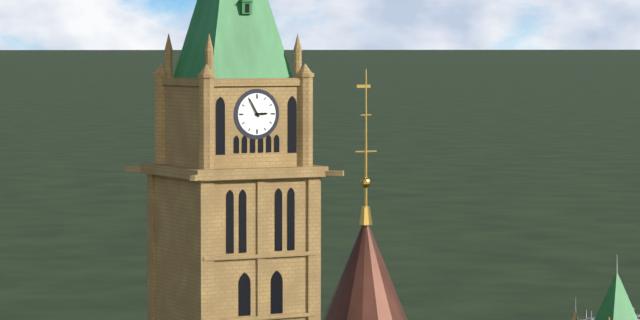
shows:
2,55
